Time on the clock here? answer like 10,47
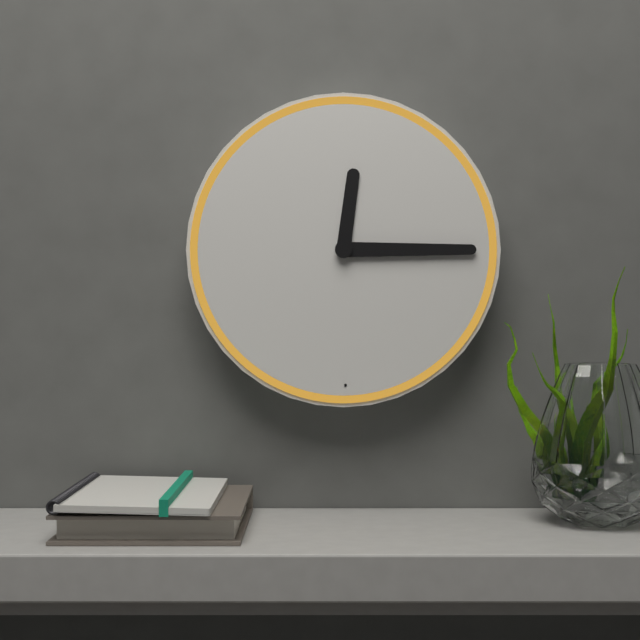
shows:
12,15
